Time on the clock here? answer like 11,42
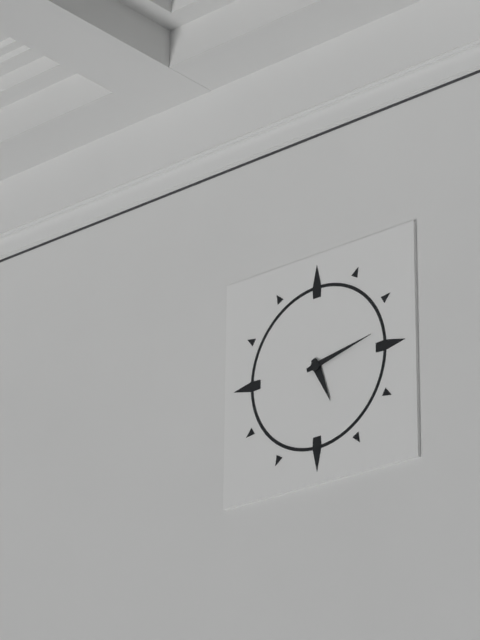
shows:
5,13
